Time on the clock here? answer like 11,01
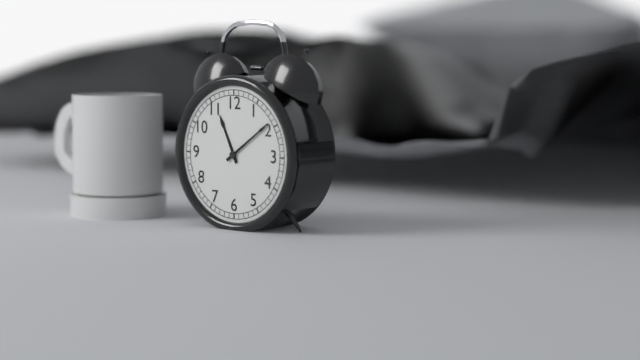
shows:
11,09
